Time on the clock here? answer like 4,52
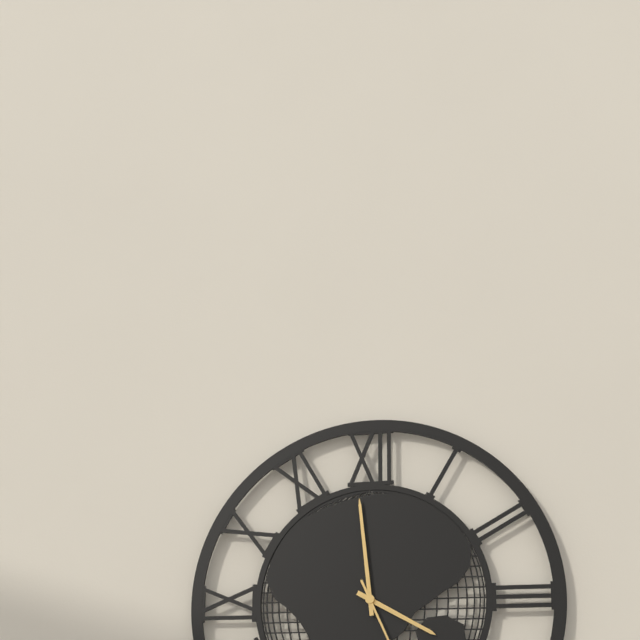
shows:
3,59
